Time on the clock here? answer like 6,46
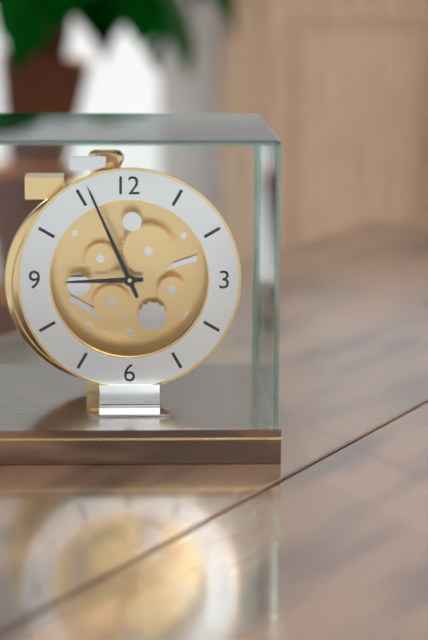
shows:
8,56
